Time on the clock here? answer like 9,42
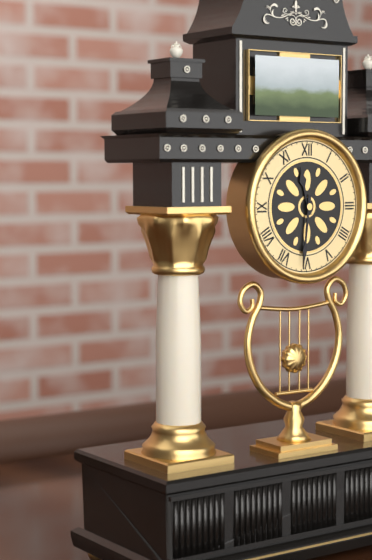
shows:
11,31
